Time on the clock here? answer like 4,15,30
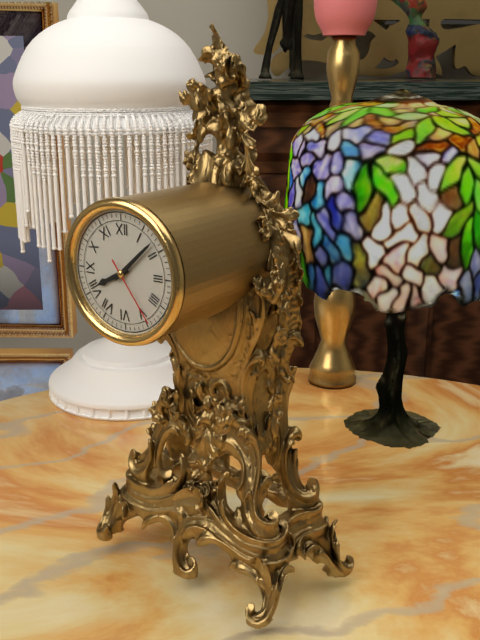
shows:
8,08,24
